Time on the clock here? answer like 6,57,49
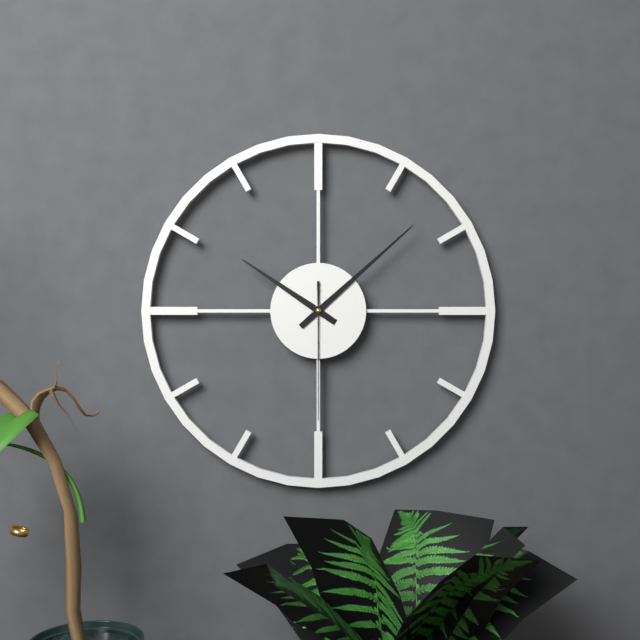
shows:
10,08,30
